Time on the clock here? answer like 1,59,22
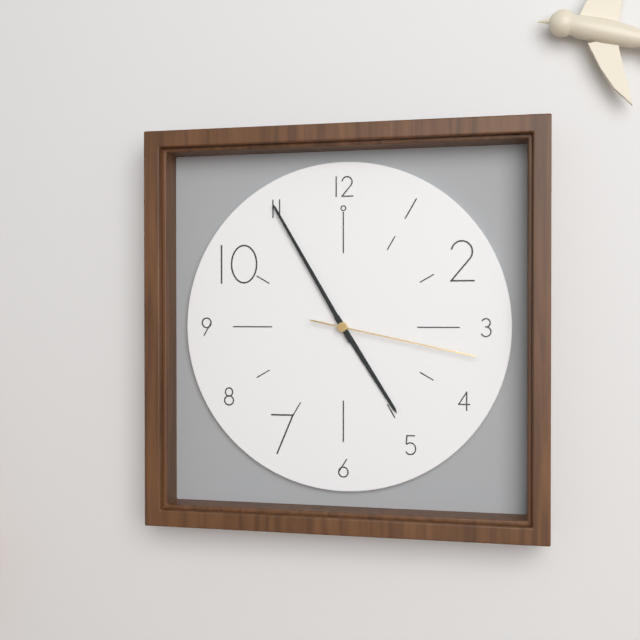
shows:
4,55,17
